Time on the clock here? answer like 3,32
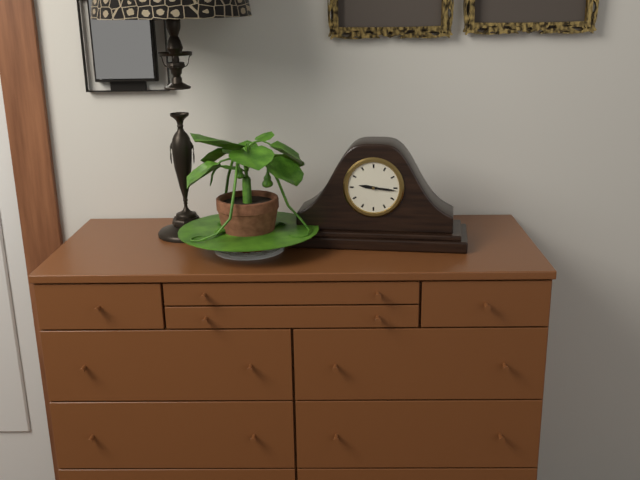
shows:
9,16
